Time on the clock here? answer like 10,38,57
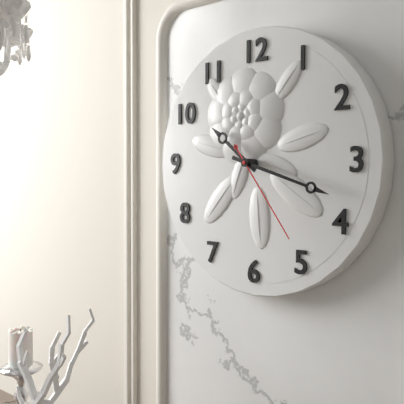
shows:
10,18,24
